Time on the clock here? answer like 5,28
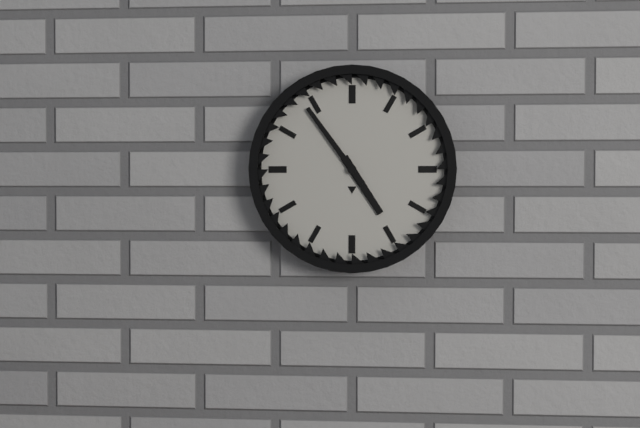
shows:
4,54
